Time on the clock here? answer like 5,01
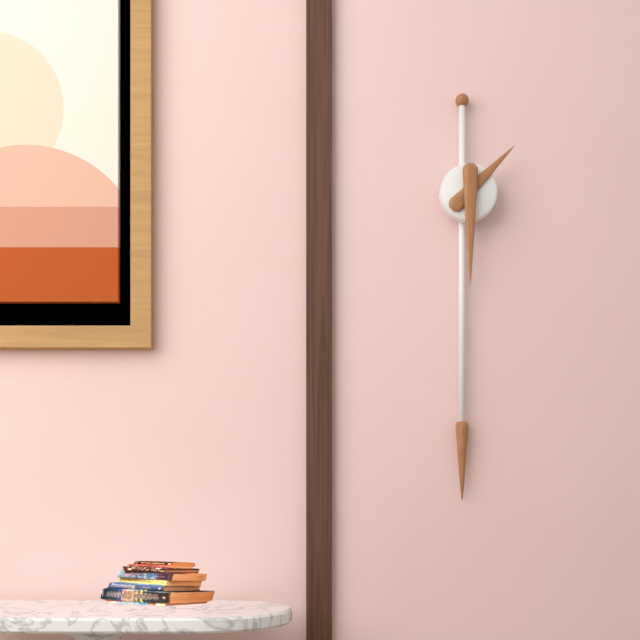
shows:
1,30
